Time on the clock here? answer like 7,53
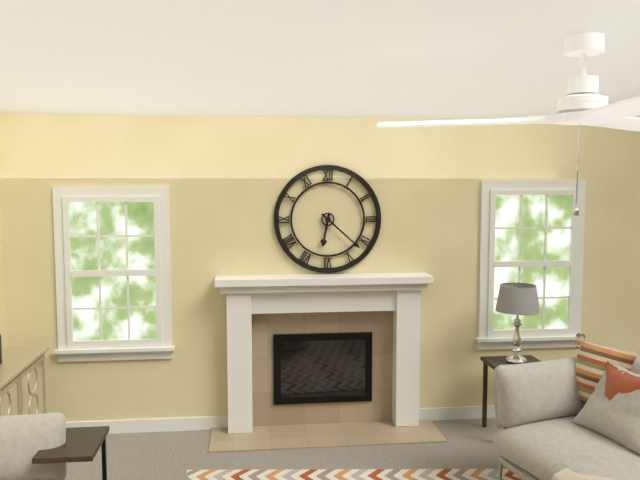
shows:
6,22
